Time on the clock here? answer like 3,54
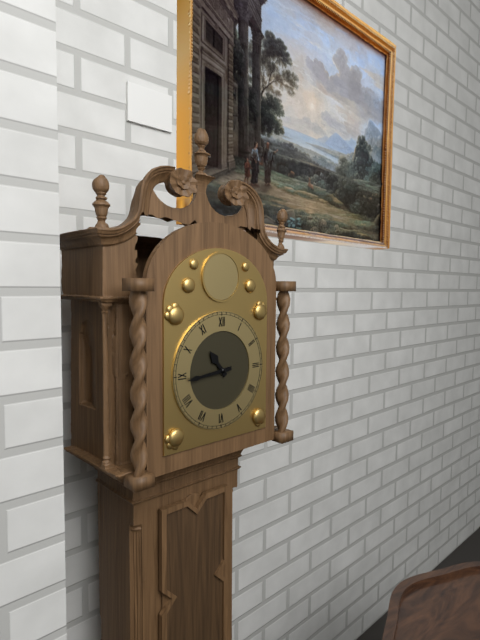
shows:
10,44
